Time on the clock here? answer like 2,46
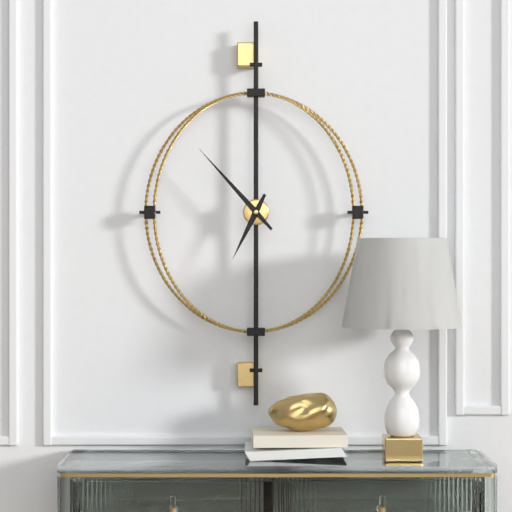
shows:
6,53
